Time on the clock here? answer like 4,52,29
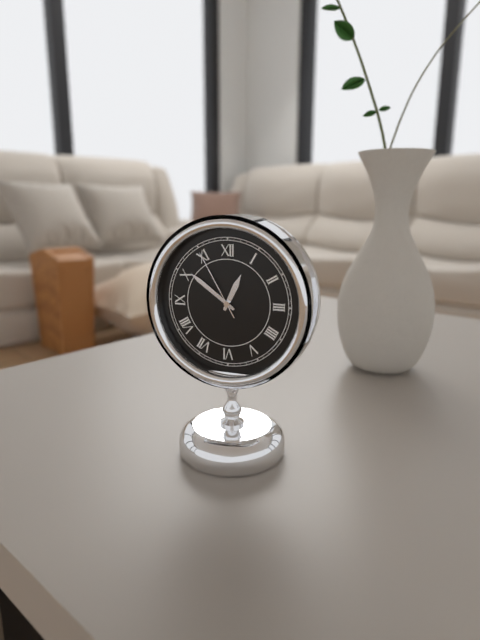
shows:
12,51,55
